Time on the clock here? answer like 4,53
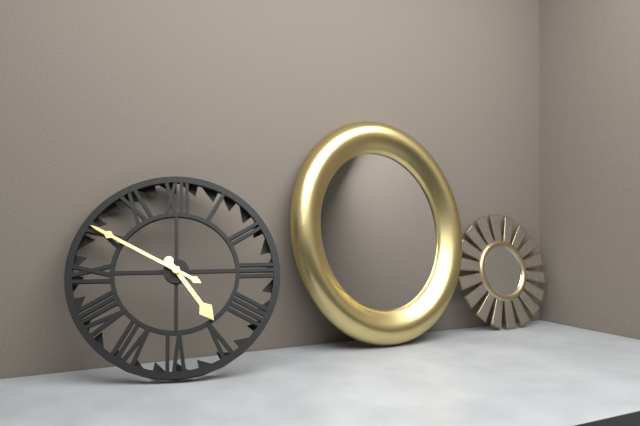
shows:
4,50
